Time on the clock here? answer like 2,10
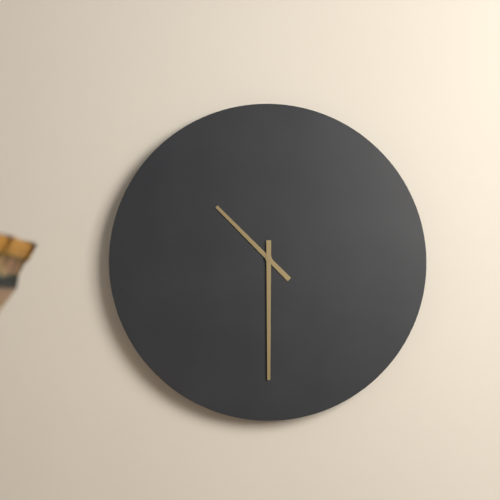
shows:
10,30
